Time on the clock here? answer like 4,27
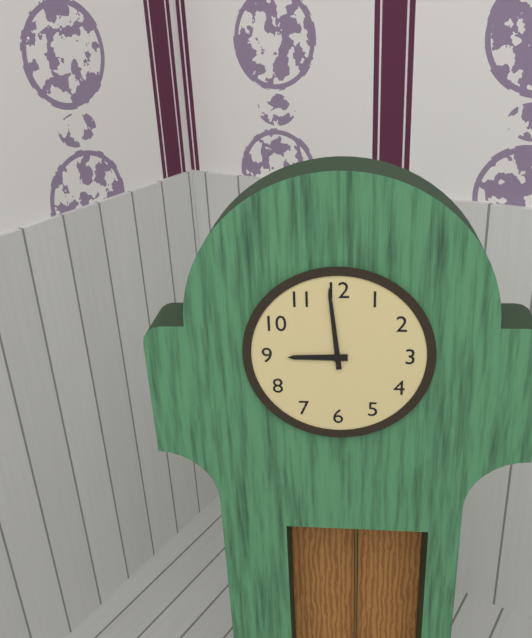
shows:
8,59
